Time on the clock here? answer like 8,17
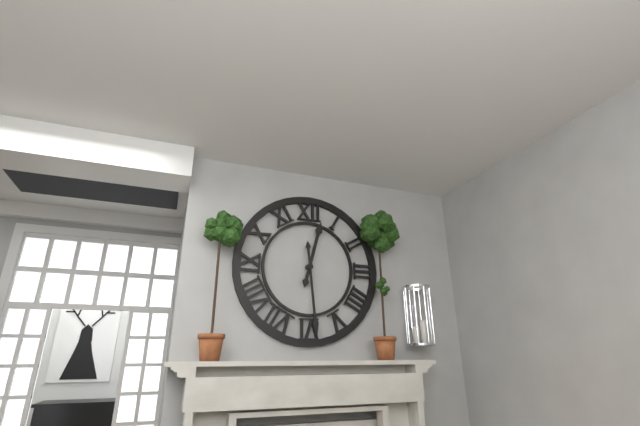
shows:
12,29
